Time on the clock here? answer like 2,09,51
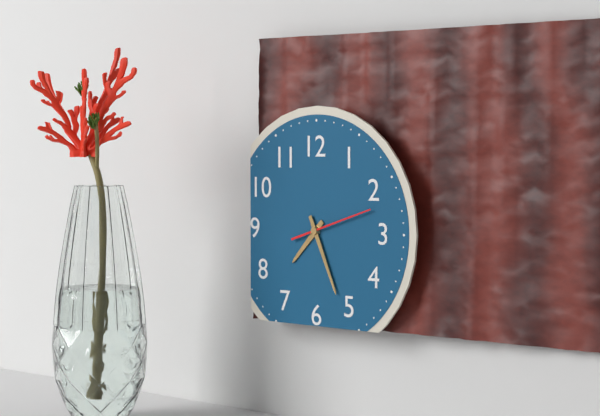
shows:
7,26,12
